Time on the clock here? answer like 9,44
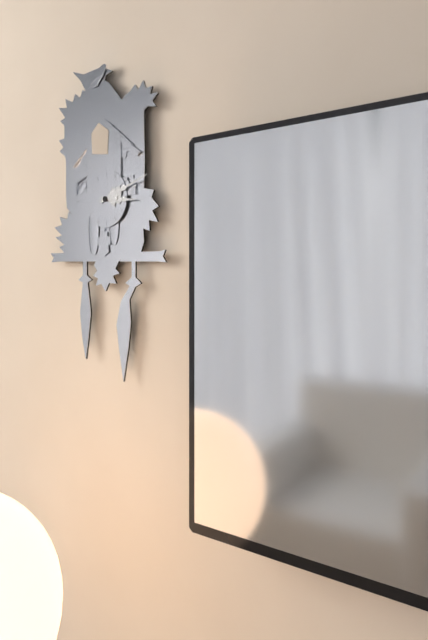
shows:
3,12
